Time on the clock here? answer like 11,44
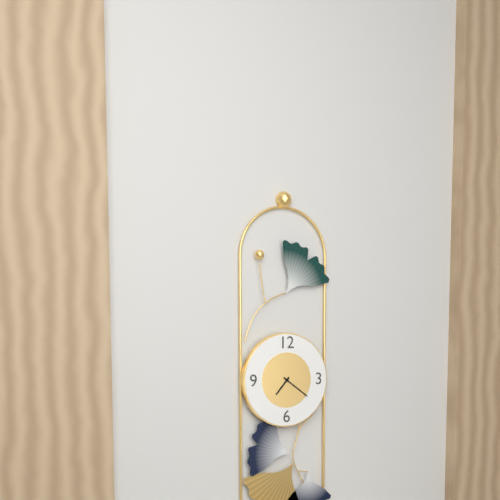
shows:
7,21
